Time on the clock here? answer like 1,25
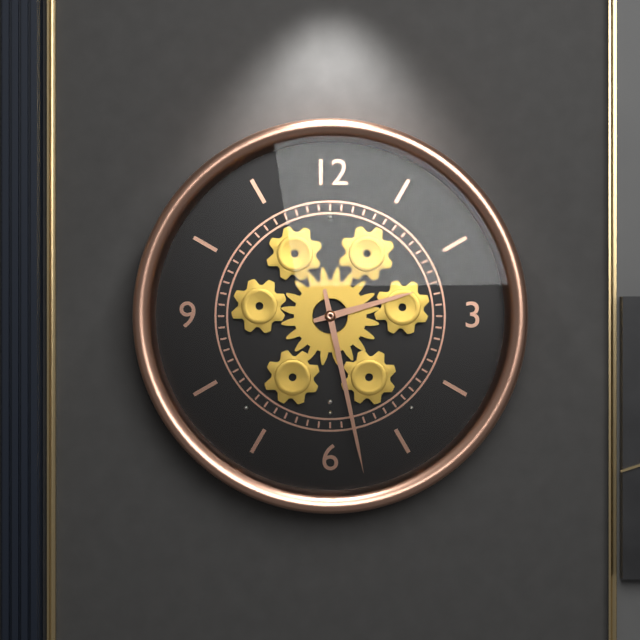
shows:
2,28
